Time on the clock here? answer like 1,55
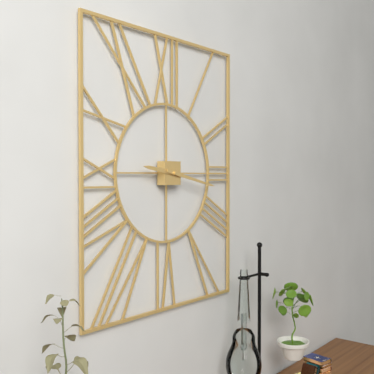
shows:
9,17
